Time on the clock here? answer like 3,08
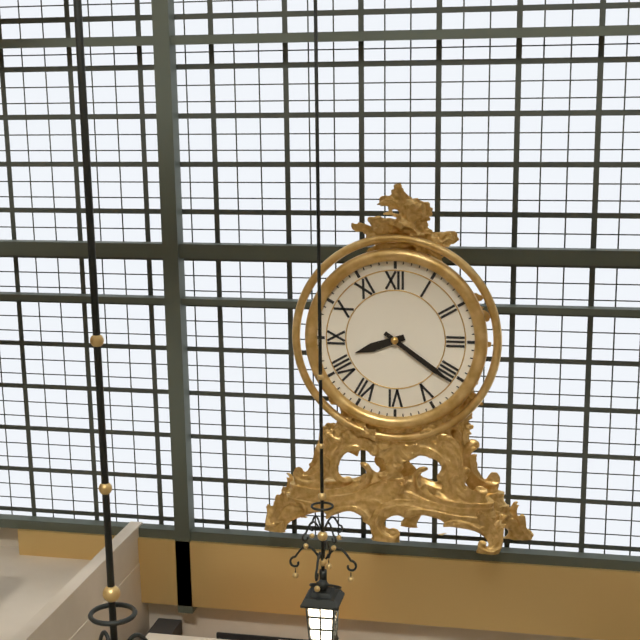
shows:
8,21
